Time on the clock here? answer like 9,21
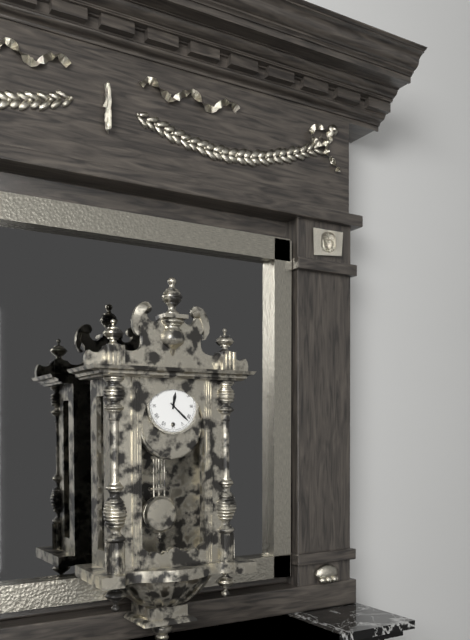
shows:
12,22
